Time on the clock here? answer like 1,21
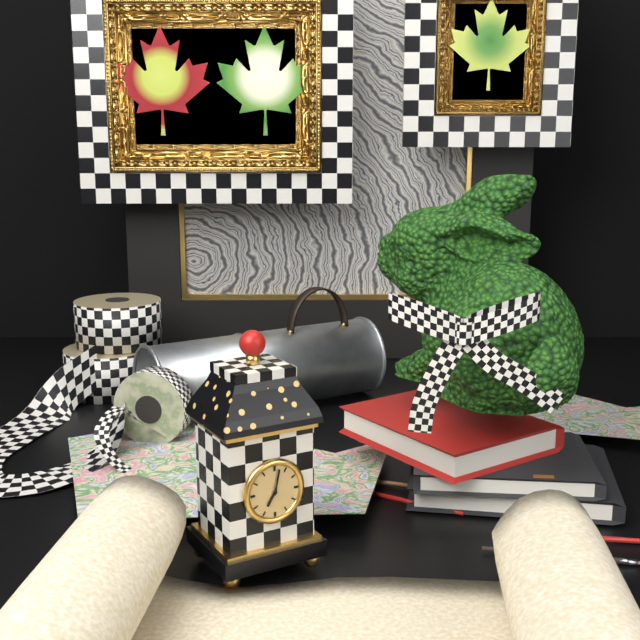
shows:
7,02
